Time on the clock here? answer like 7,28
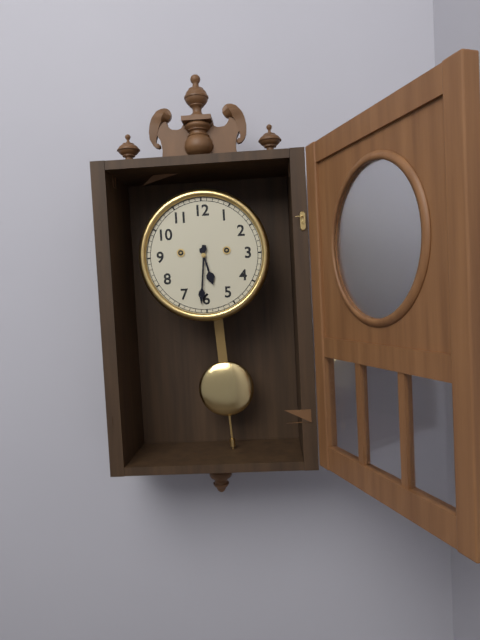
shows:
5,31
